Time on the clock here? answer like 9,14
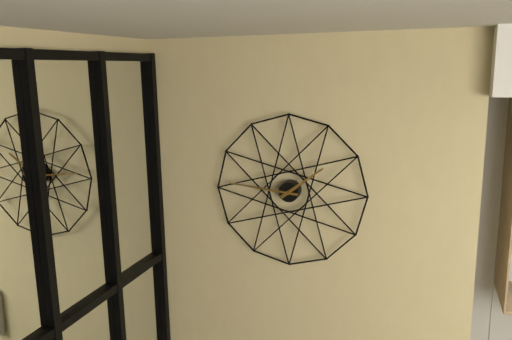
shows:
1,46
